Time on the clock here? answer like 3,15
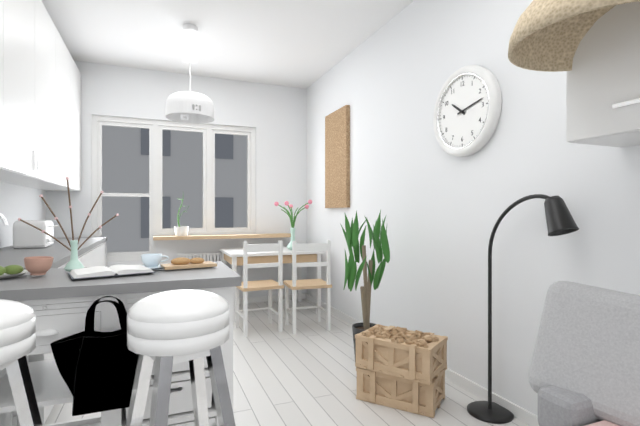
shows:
10,13
